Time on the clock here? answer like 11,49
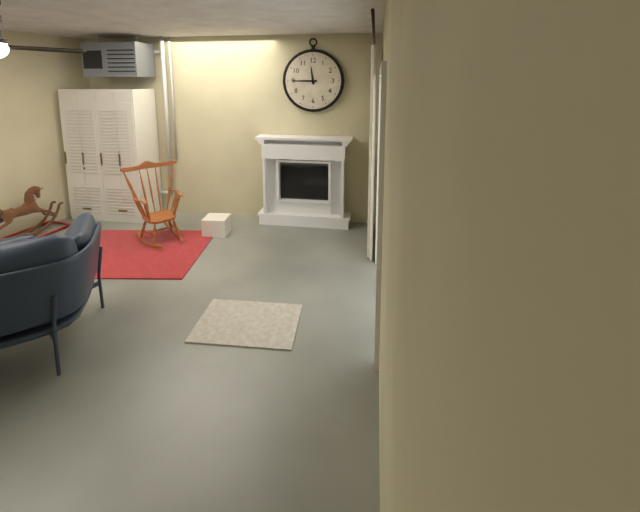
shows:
11,45
